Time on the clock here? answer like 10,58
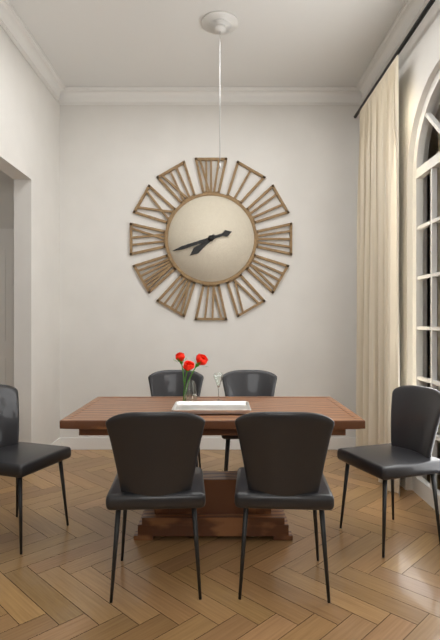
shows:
7,42
